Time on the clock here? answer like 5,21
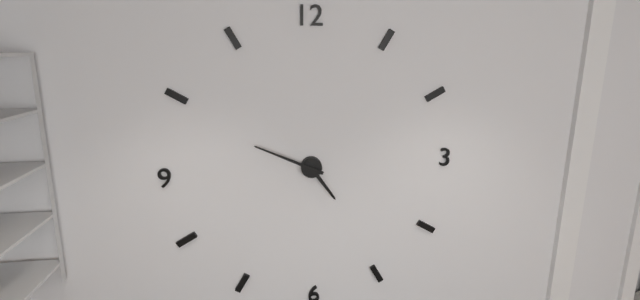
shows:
4,49
